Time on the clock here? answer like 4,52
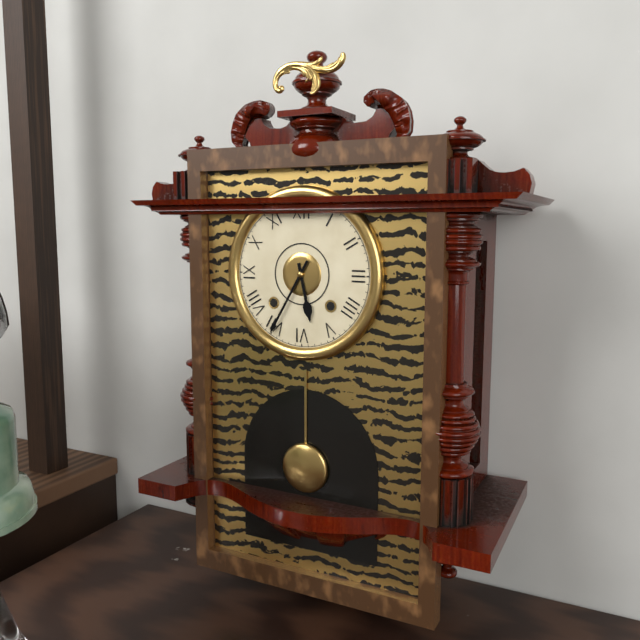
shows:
5,35
